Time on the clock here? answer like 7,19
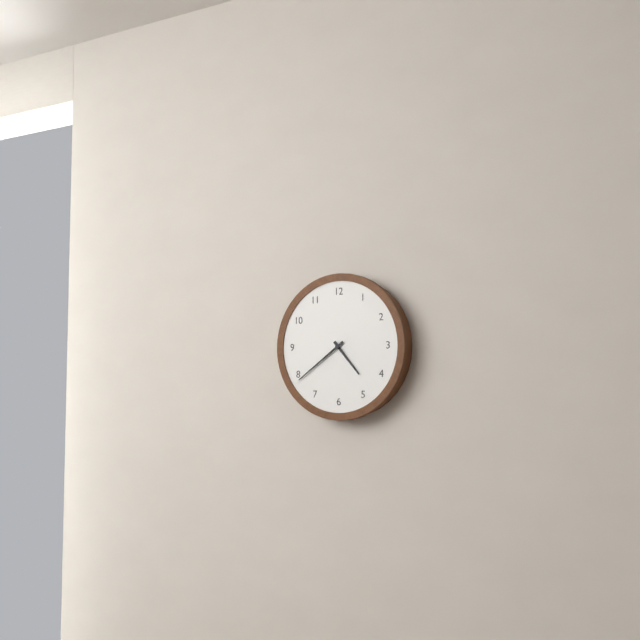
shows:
4,39
